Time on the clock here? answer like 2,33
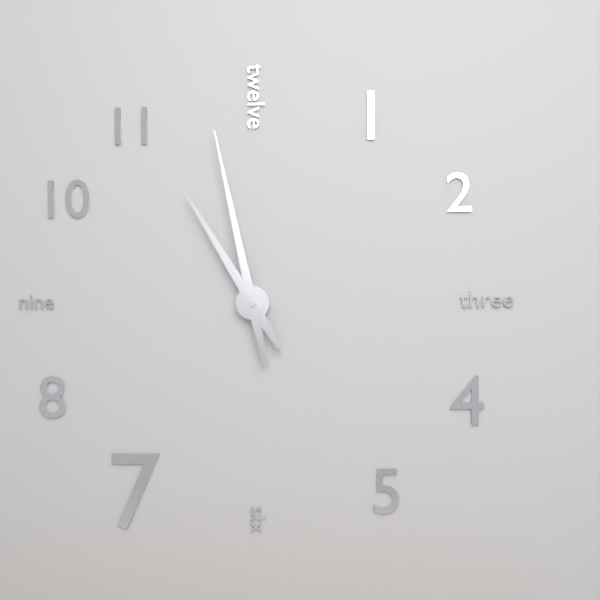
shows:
10,58
